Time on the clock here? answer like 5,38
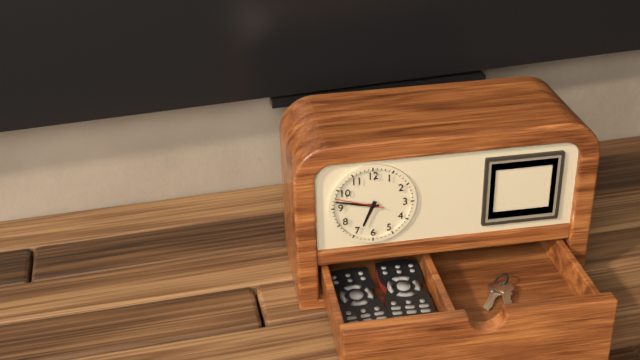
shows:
6,47
